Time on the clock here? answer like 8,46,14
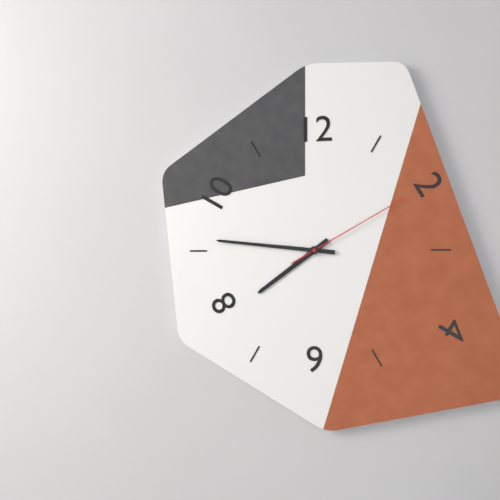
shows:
7,46,10
